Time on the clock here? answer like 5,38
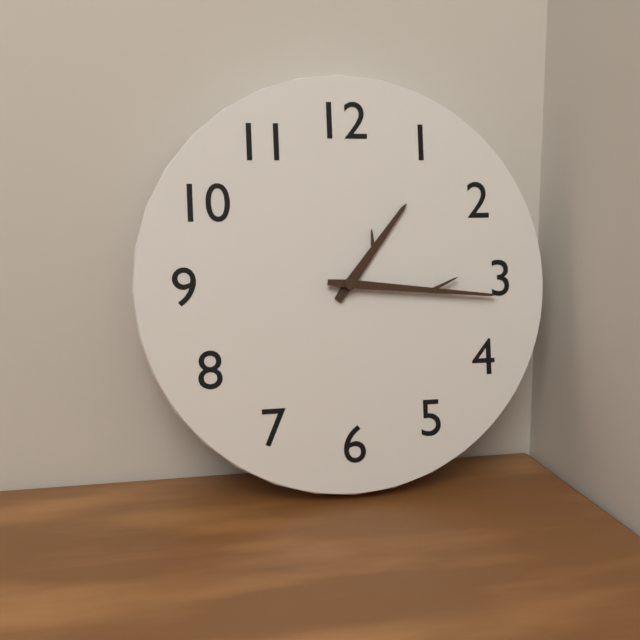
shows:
1,16
